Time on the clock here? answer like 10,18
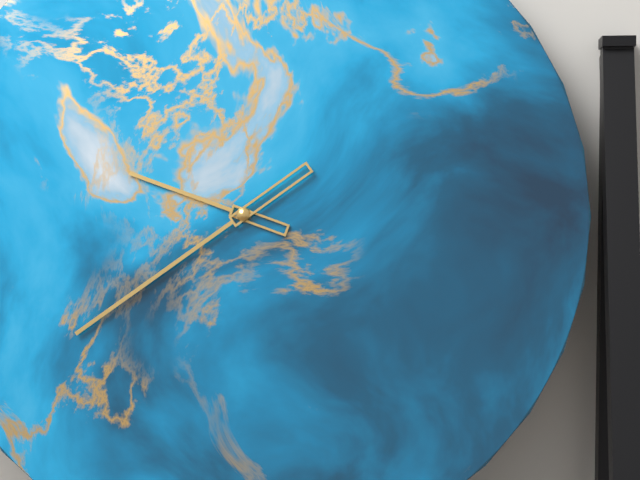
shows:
9,39
